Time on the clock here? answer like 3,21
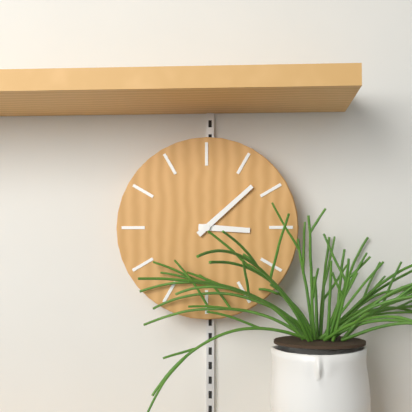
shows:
3,08
